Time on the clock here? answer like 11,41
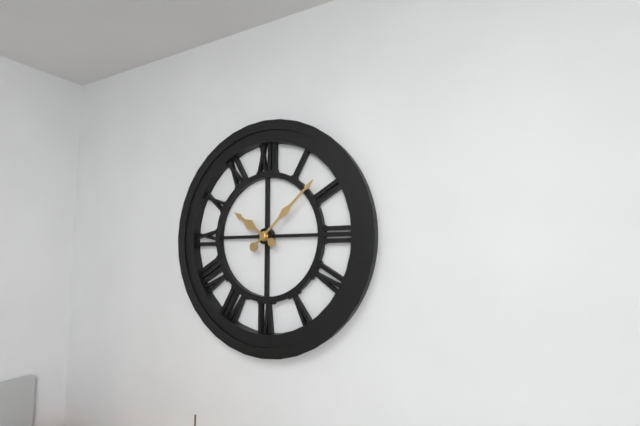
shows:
10,08
